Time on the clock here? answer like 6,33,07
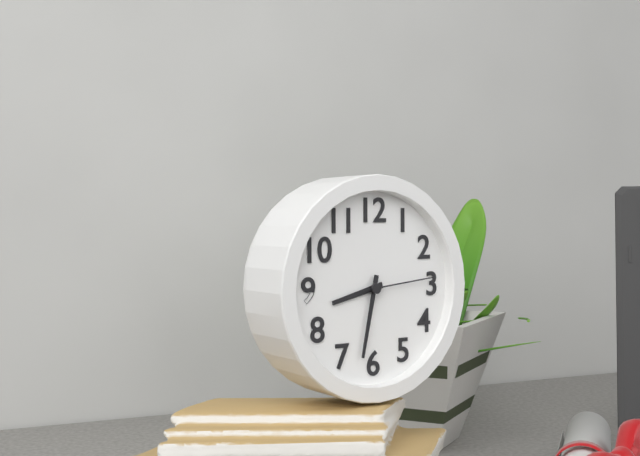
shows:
8,32,14
